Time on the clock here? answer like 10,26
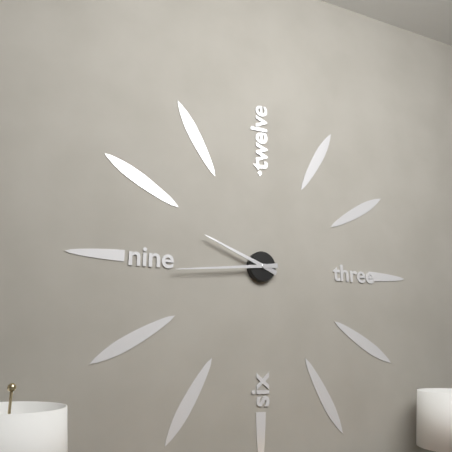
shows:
9,44
